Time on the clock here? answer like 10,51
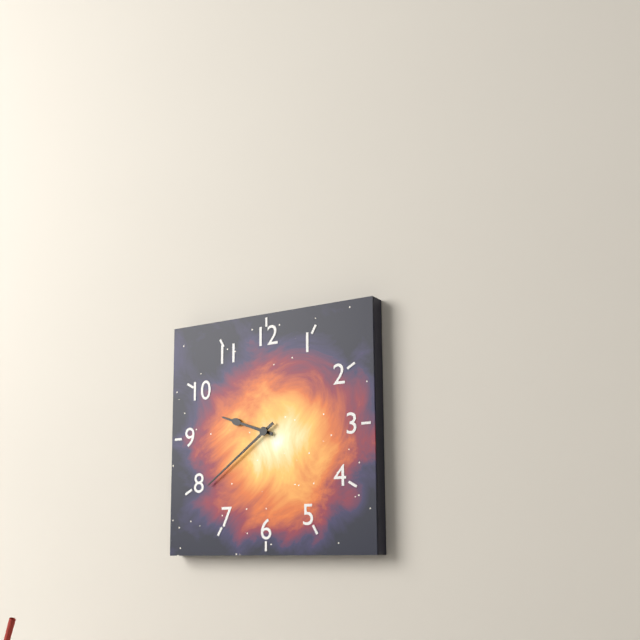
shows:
9,39
